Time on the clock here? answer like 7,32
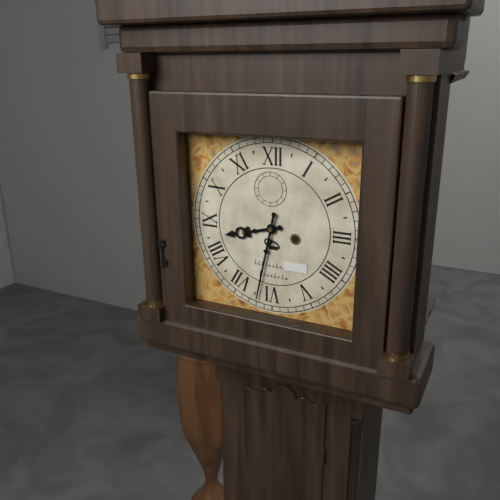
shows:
8,32
